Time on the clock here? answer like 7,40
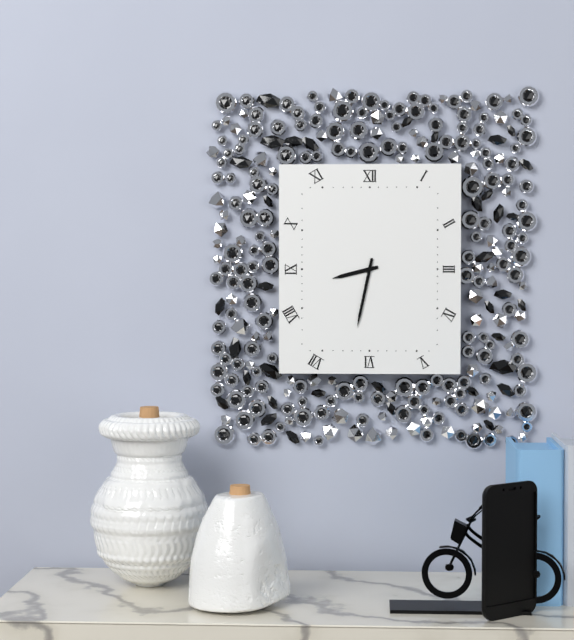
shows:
8,32
